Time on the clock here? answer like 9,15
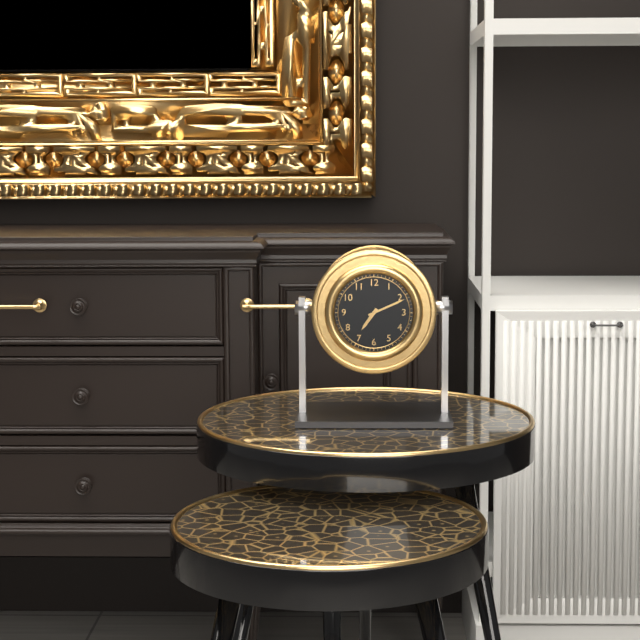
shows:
7,11
